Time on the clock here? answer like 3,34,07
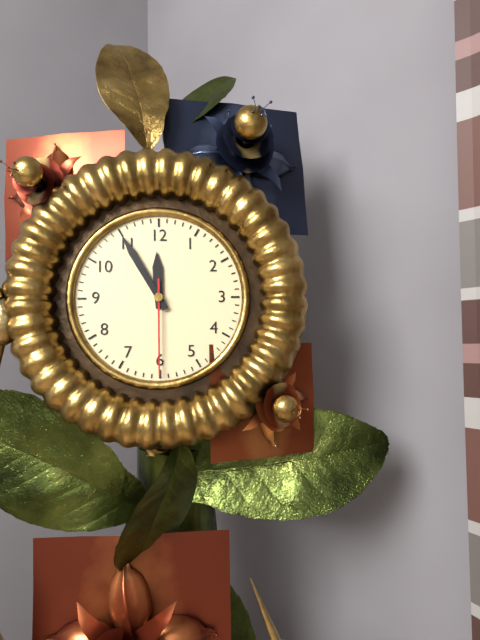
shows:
11,55,30
